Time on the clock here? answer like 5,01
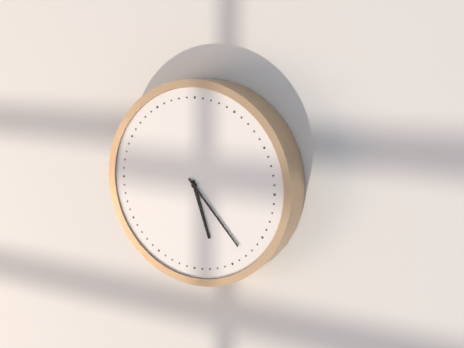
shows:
5,23
